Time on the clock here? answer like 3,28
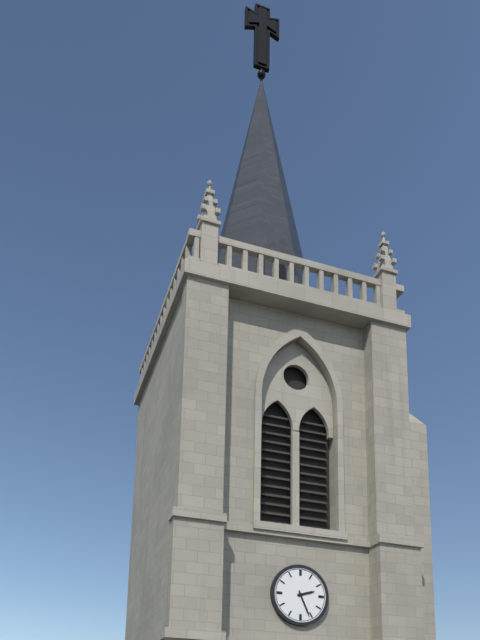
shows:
2,26
